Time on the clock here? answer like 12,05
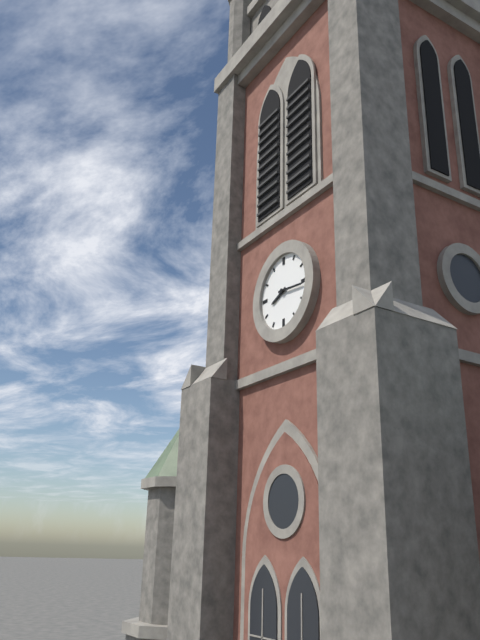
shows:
8,16
